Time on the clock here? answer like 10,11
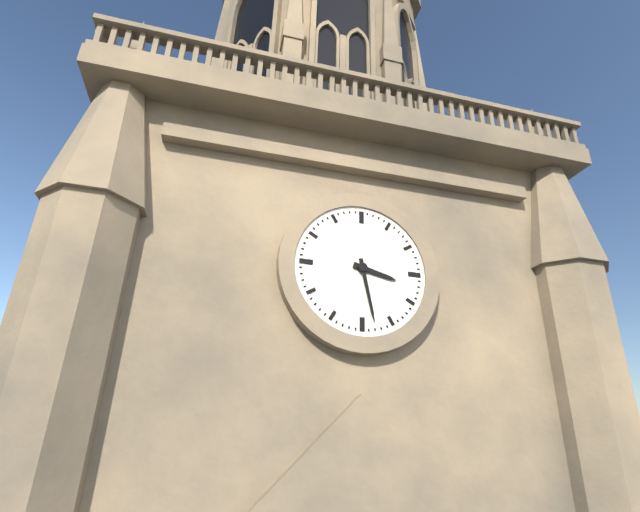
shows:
3,28
